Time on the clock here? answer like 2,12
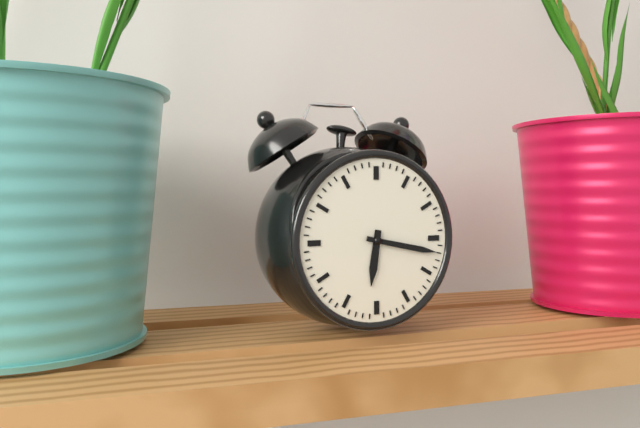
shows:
6,17
